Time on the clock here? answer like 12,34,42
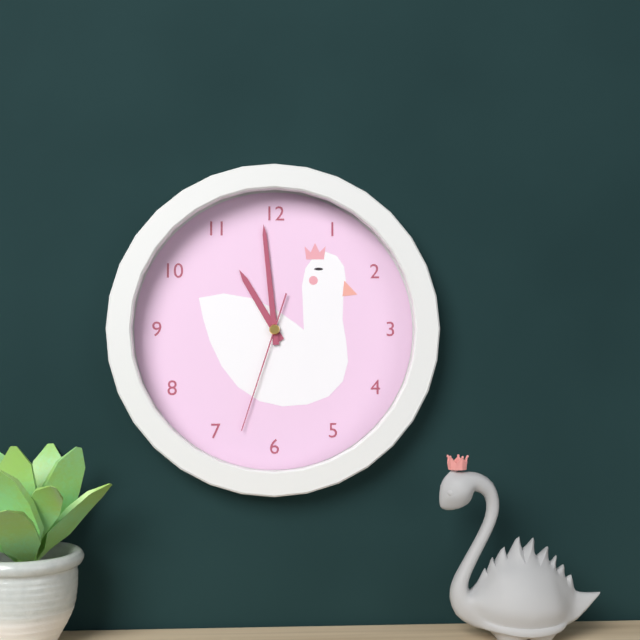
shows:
10,59,33
